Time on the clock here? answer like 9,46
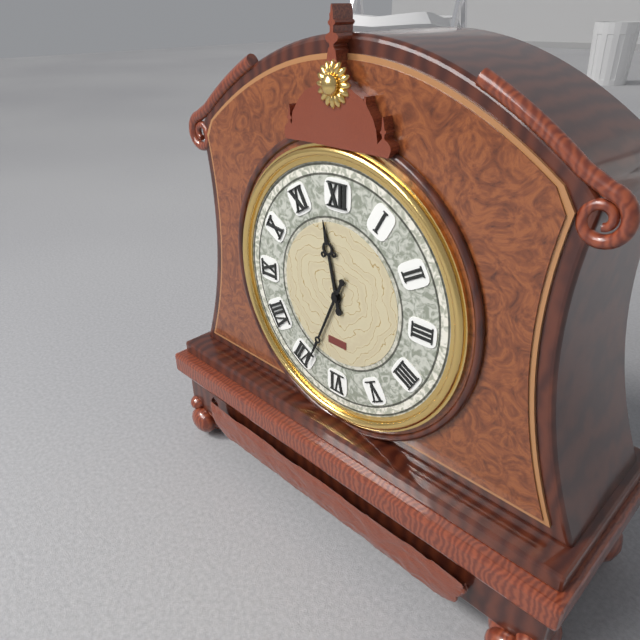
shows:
11,34
